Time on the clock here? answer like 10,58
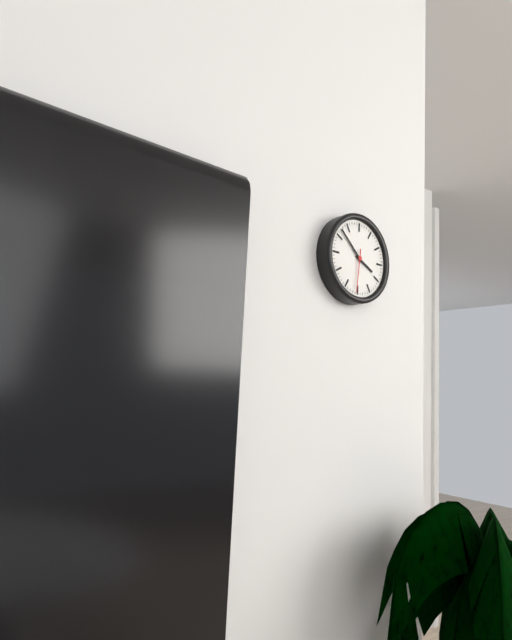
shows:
3,52
